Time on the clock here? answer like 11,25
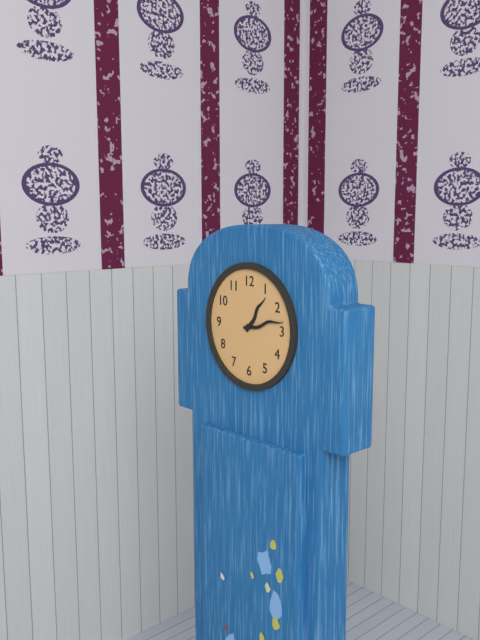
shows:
1,13
